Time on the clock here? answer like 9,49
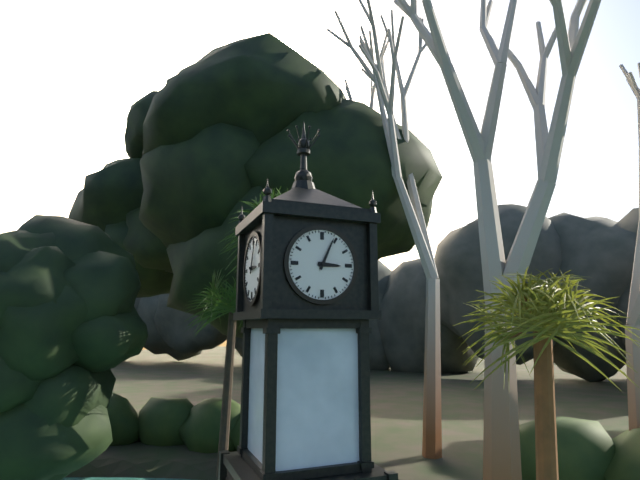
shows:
3,04
